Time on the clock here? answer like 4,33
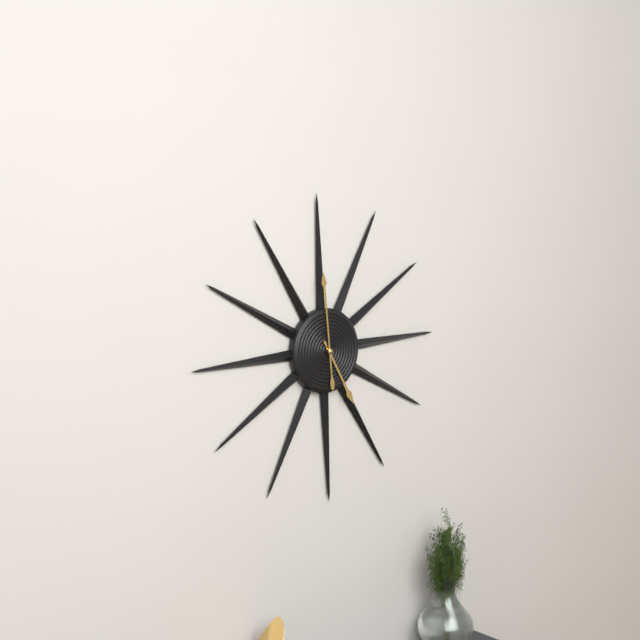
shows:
4,59
